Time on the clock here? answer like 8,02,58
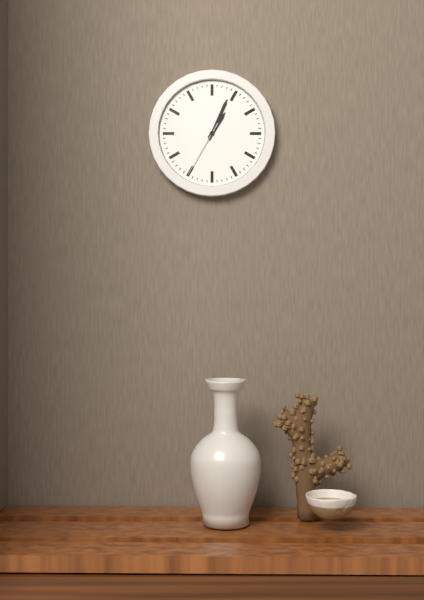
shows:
1,04,35
